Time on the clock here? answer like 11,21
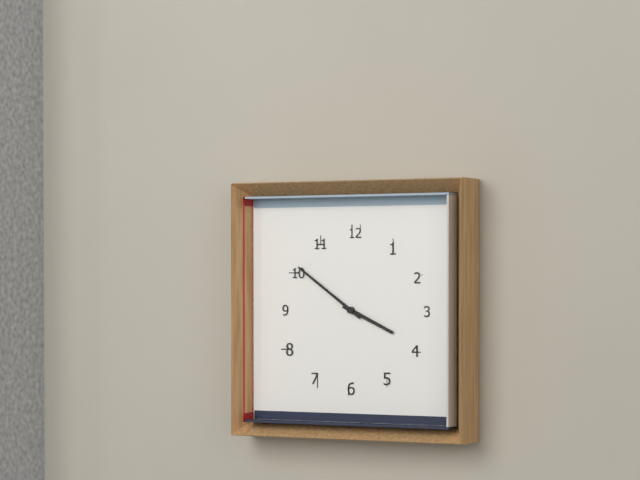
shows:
3,51
